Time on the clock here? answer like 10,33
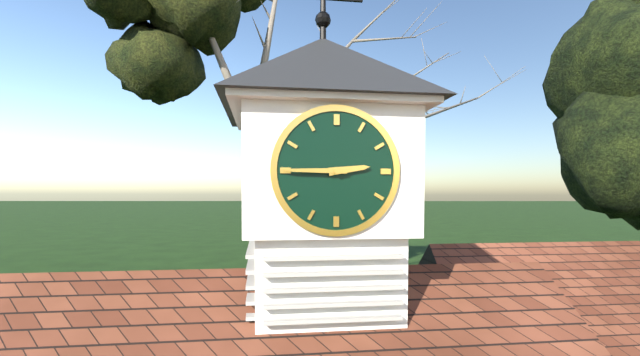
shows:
2,45
